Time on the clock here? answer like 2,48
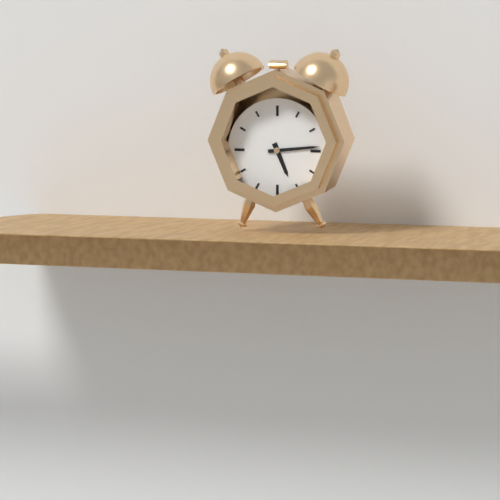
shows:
5,14
